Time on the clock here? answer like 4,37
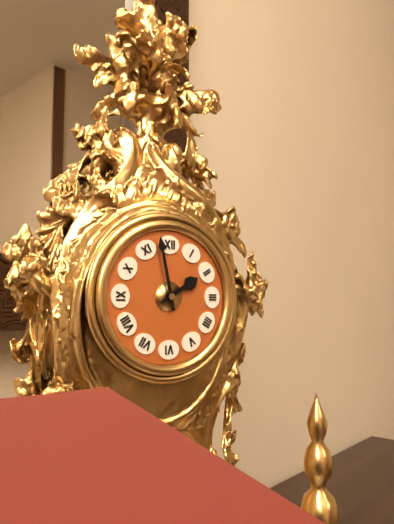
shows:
1,58
